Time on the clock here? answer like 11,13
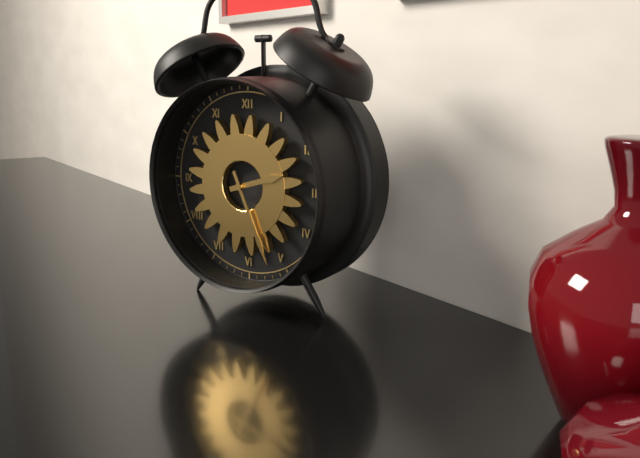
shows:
2,26
